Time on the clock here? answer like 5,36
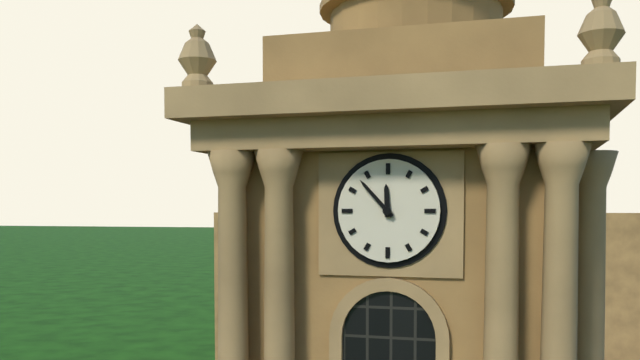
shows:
11,53
